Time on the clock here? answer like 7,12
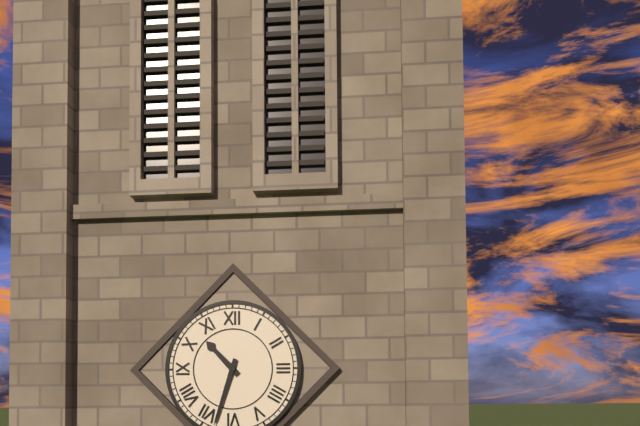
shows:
10,33
